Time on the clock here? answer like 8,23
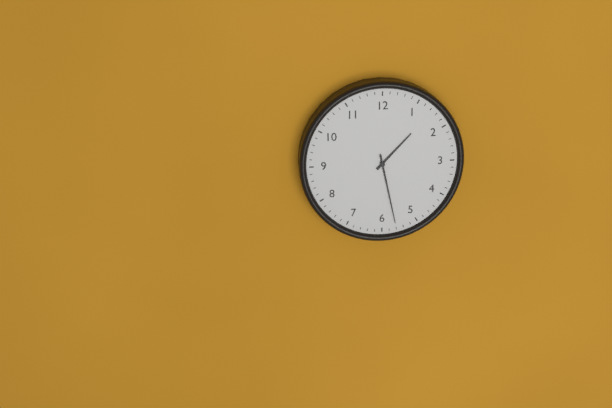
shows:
1,28
